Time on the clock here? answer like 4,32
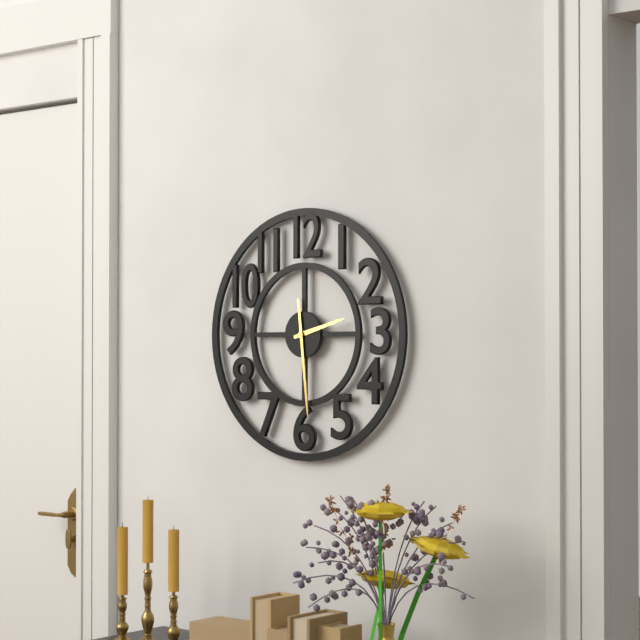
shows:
2,29
